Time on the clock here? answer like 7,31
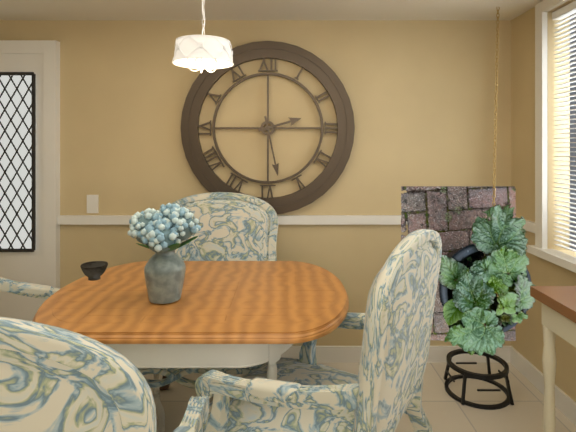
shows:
2,28
